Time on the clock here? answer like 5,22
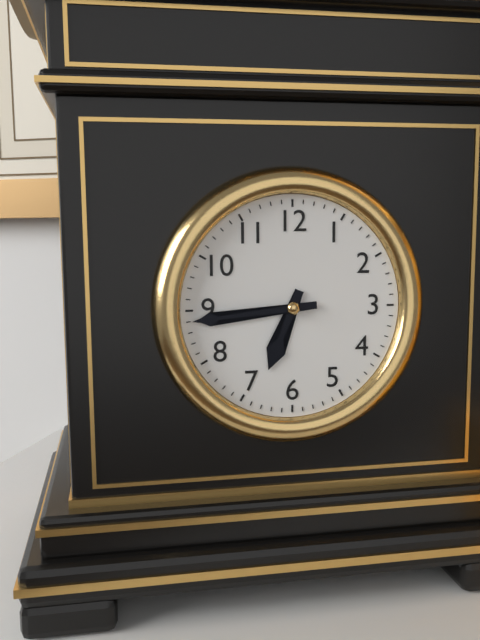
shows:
6,44
